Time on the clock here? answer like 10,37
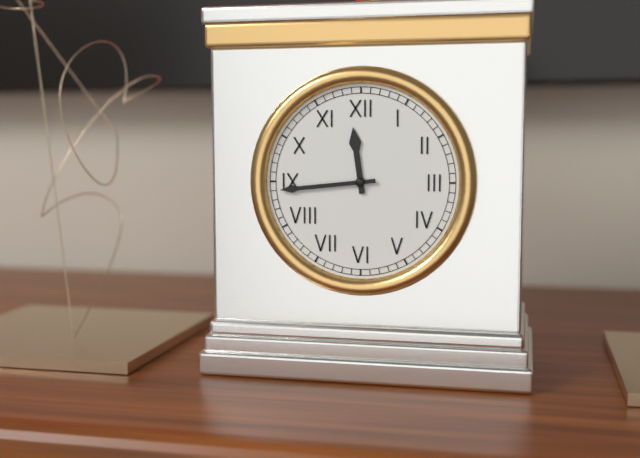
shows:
11,44
